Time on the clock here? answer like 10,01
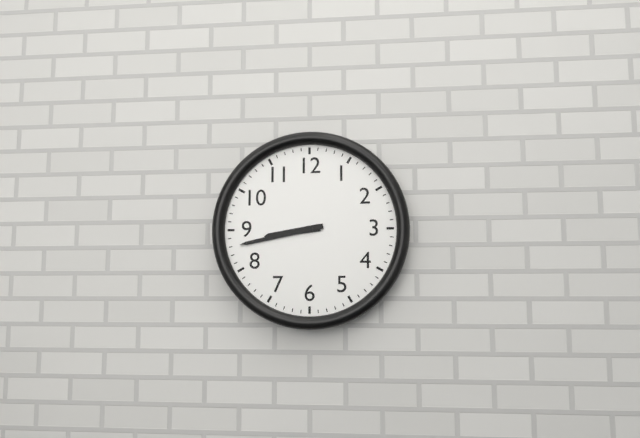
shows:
8,43
